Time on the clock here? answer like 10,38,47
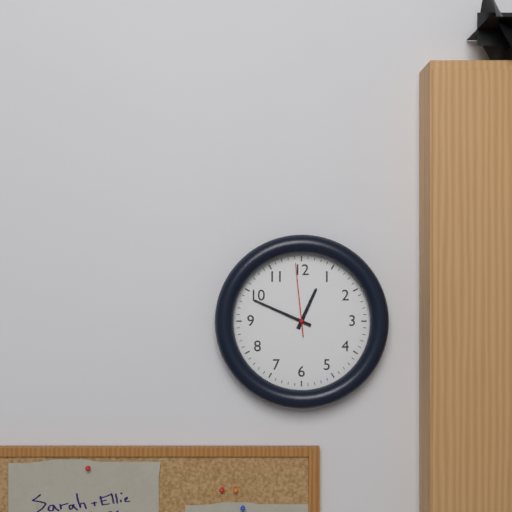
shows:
12,49,59
